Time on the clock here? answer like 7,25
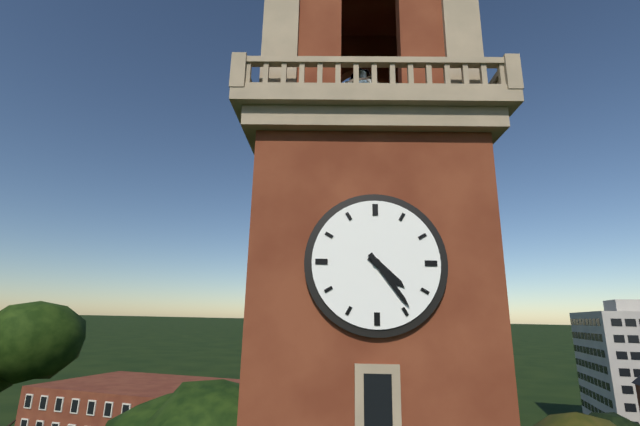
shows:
4,24
